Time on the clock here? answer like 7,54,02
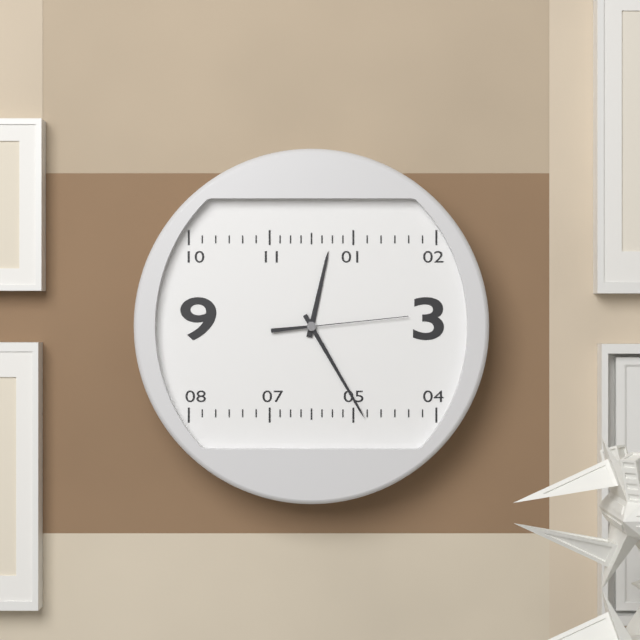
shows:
12,25,14
